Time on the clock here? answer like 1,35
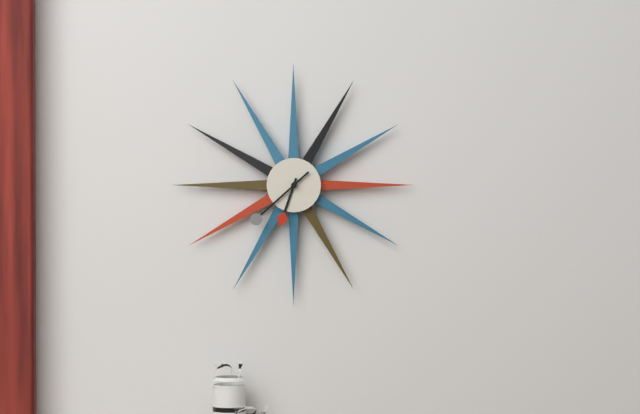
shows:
6,38
